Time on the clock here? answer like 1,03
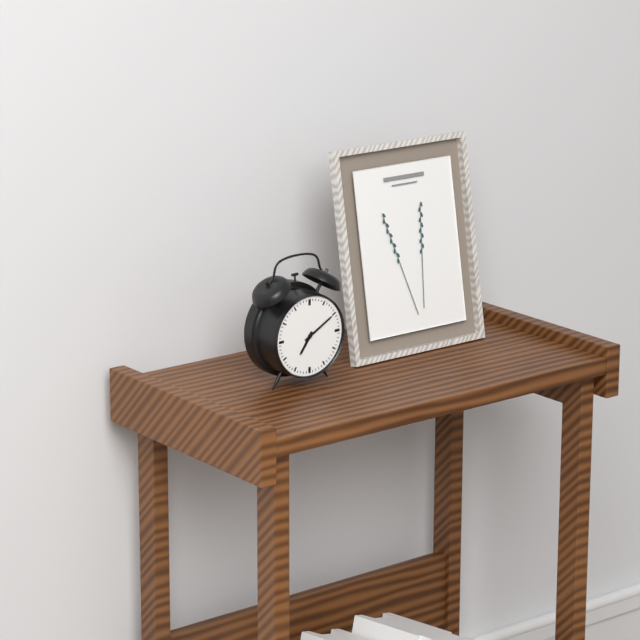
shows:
7,10
